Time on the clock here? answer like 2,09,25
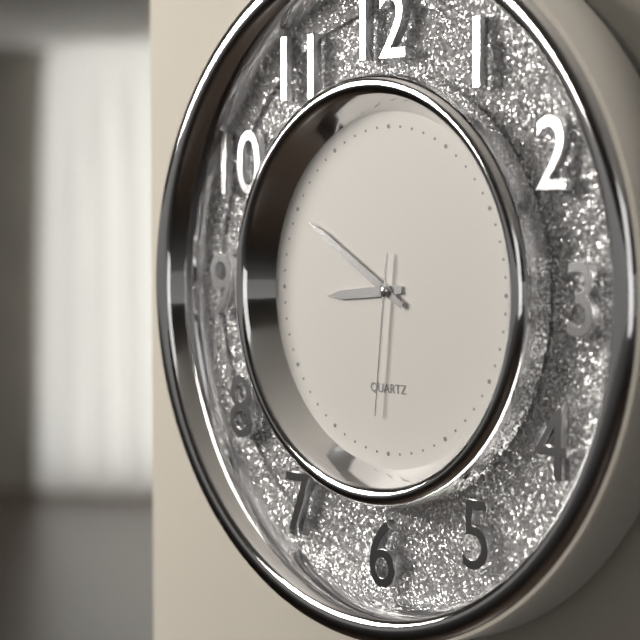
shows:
8,50,31
